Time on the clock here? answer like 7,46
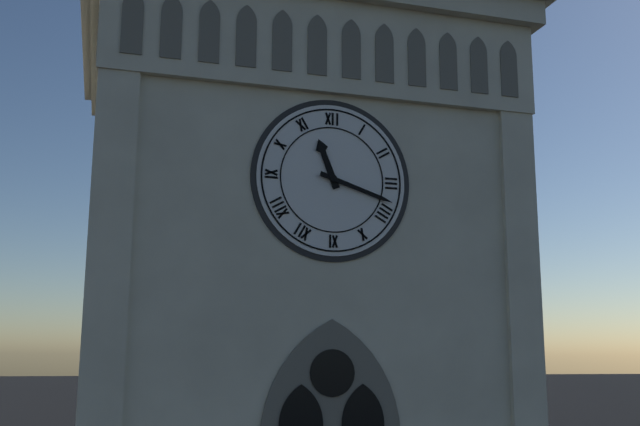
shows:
11,18
